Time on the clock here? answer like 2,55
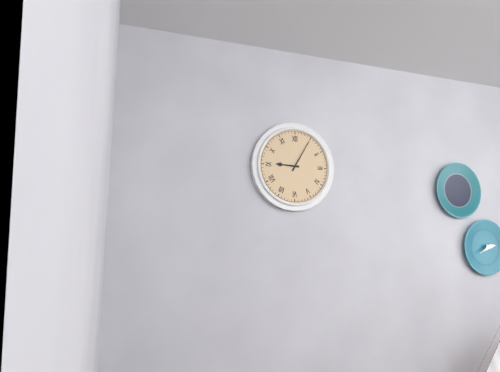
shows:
9,05
